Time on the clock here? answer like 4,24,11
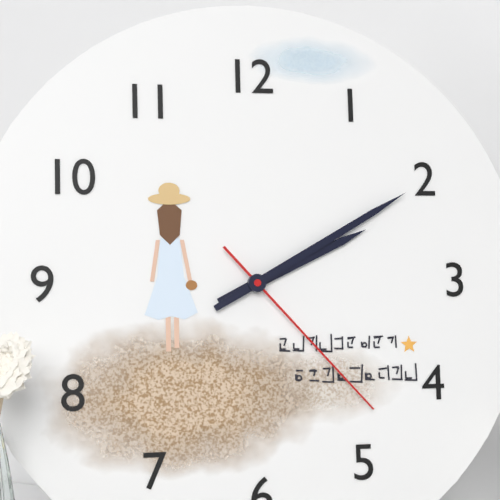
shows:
2,10,23
